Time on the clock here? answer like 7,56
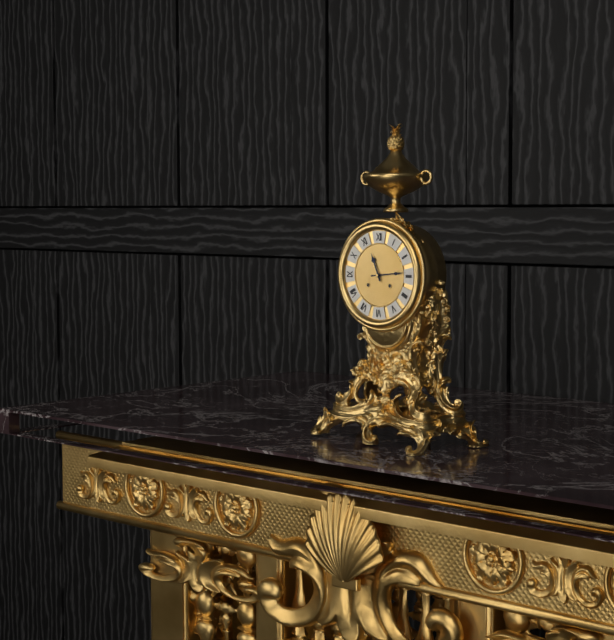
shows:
11,14
